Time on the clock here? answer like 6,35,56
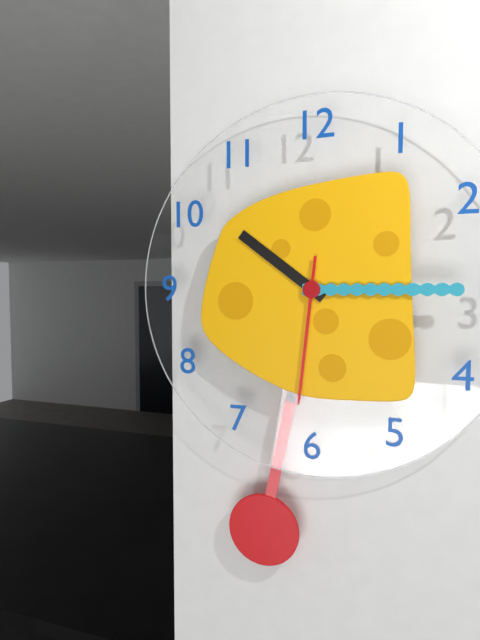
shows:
10,15,31
